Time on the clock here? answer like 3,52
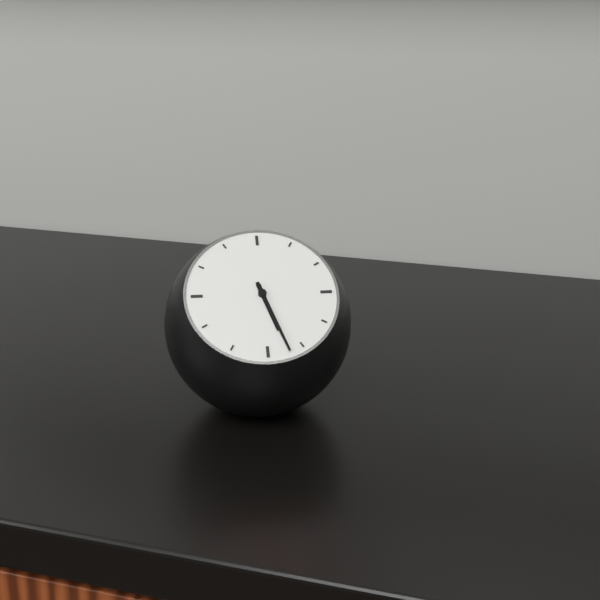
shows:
5,27
